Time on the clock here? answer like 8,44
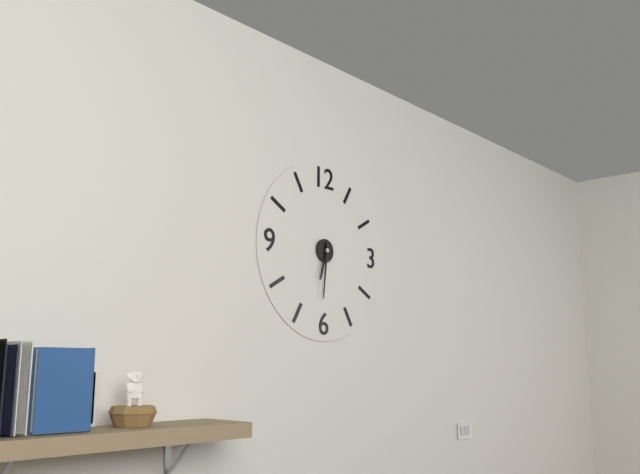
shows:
6,31
